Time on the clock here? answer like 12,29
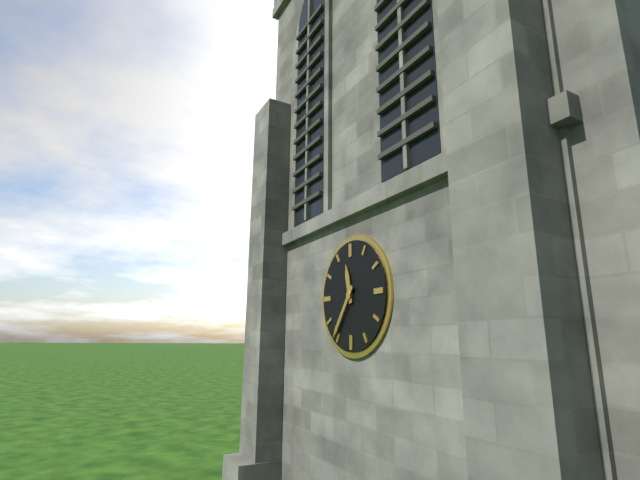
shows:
11,36
